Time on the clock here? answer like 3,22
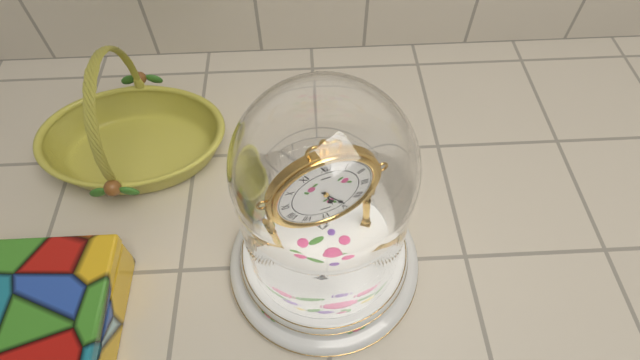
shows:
5,24
